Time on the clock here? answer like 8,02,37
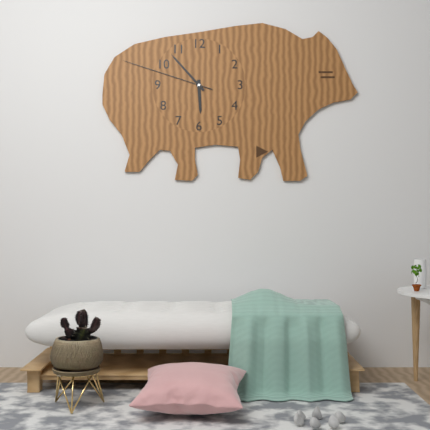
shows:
5,53,48
